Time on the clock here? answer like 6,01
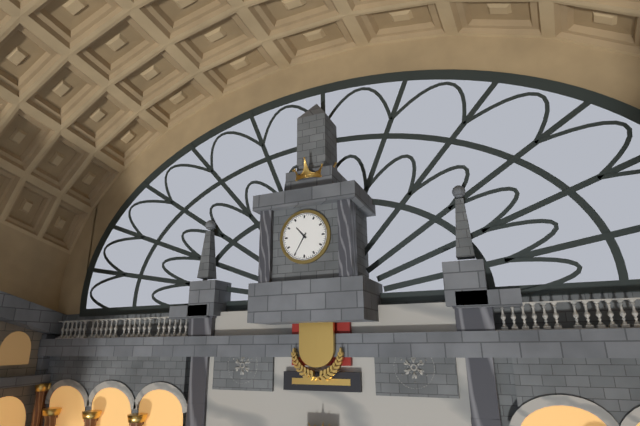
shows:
10,35
